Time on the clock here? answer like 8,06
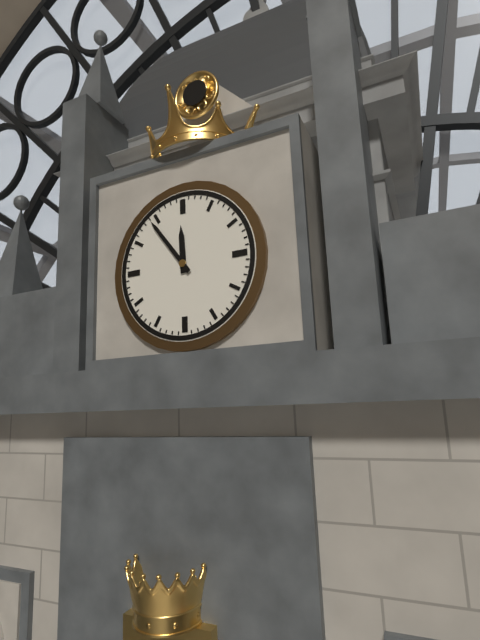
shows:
11,54
